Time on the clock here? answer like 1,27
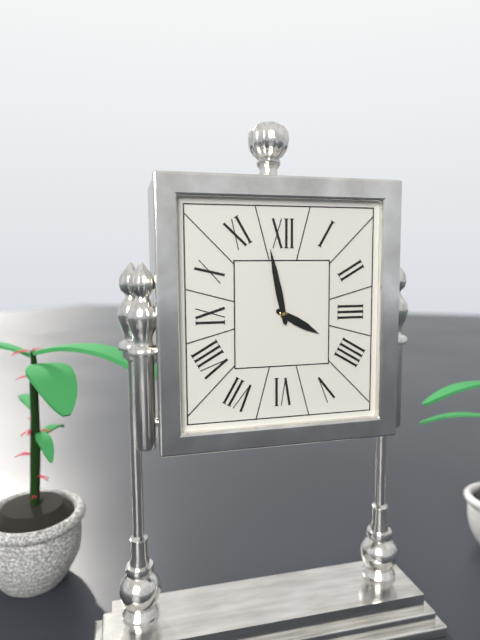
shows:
3,58
